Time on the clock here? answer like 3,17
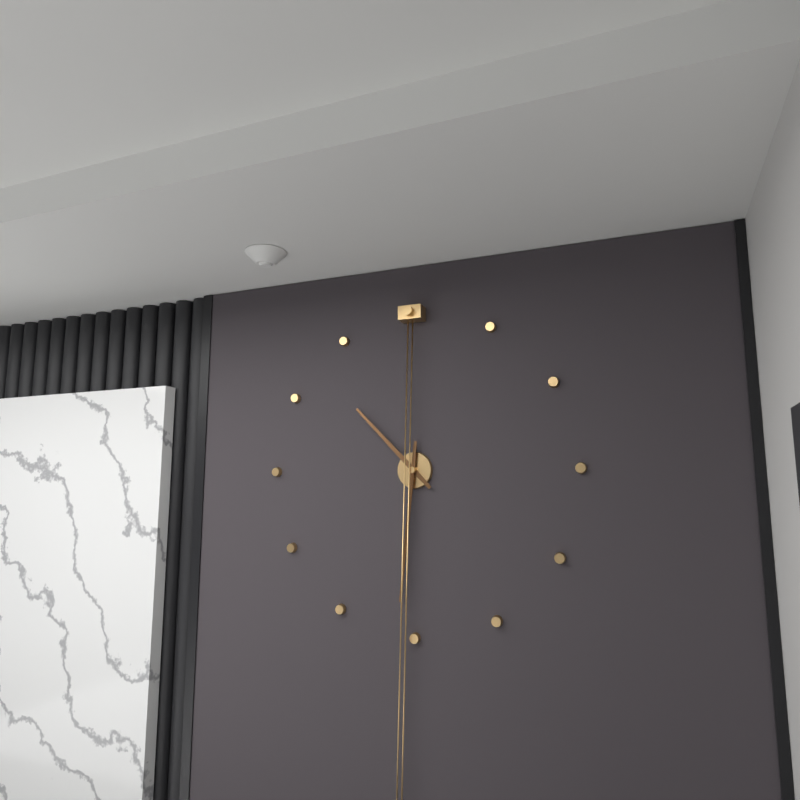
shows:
10,31
